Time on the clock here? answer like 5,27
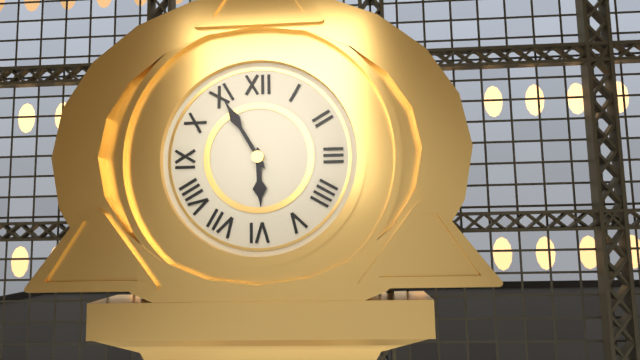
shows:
5,55
